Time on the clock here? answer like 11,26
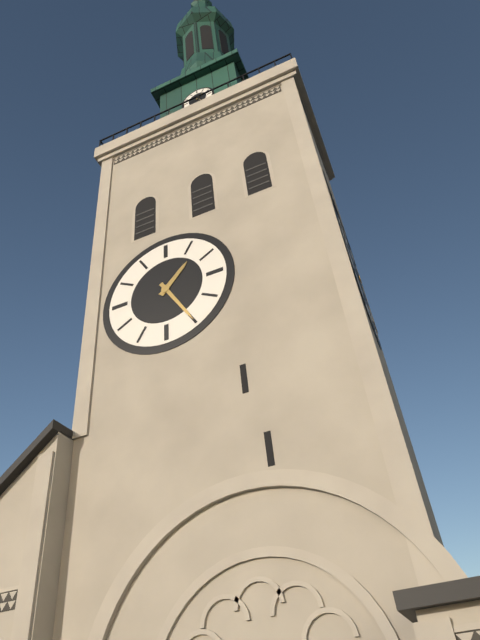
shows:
1,25
